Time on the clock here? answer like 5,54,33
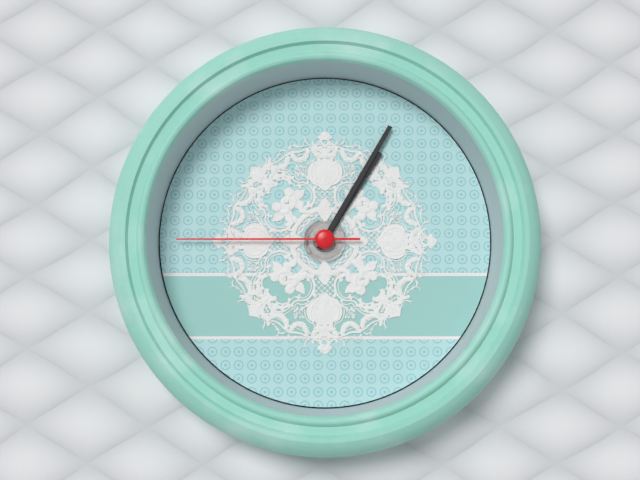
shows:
1,05,45
